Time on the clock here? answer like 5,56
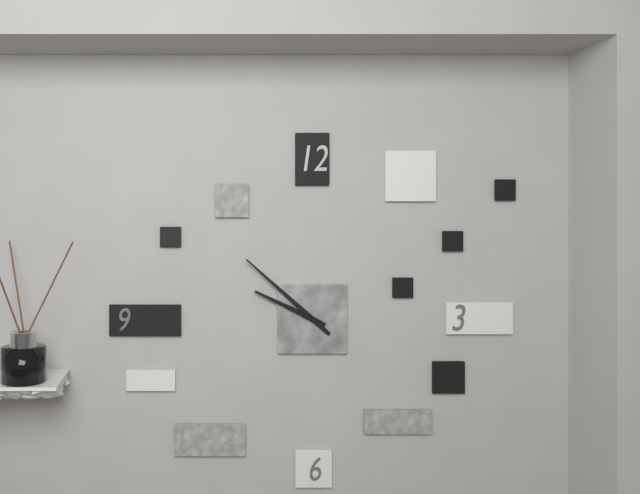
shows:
9,52
